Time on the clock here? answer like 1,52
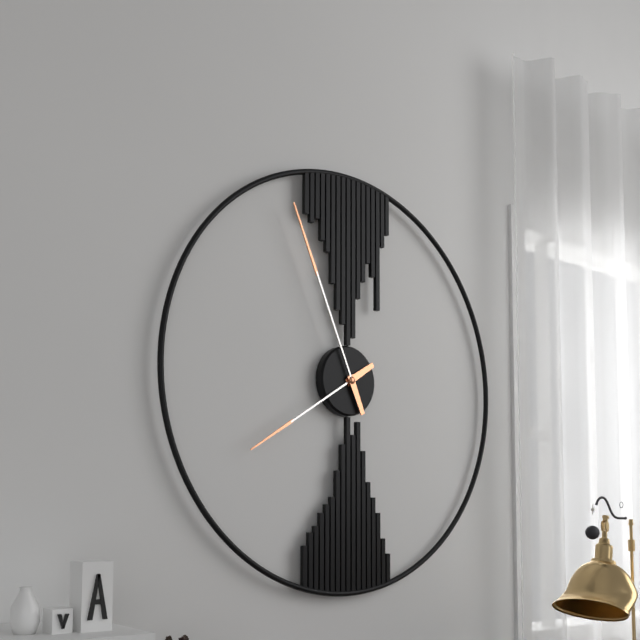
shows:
7,56
